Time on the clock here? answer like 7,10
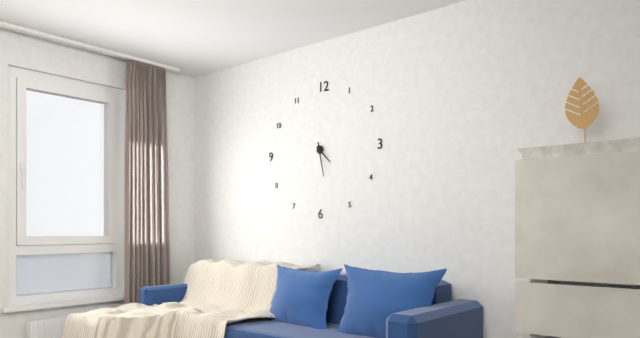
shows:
4,28
